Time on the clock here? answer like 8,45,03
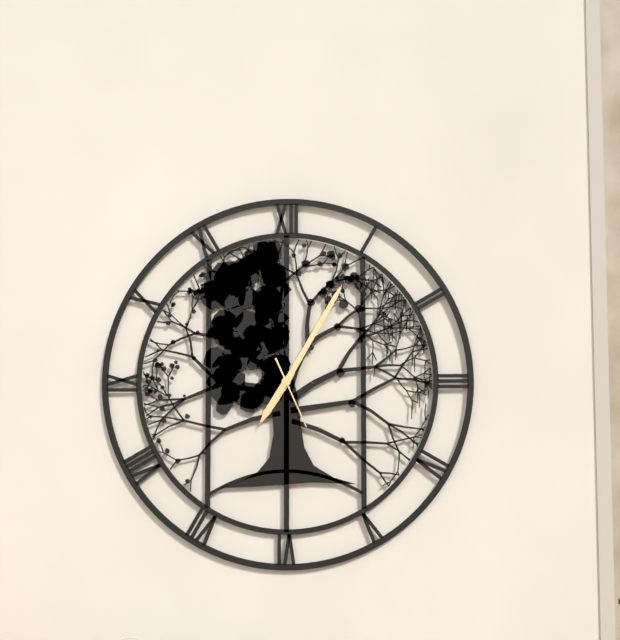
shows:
7,05,26
